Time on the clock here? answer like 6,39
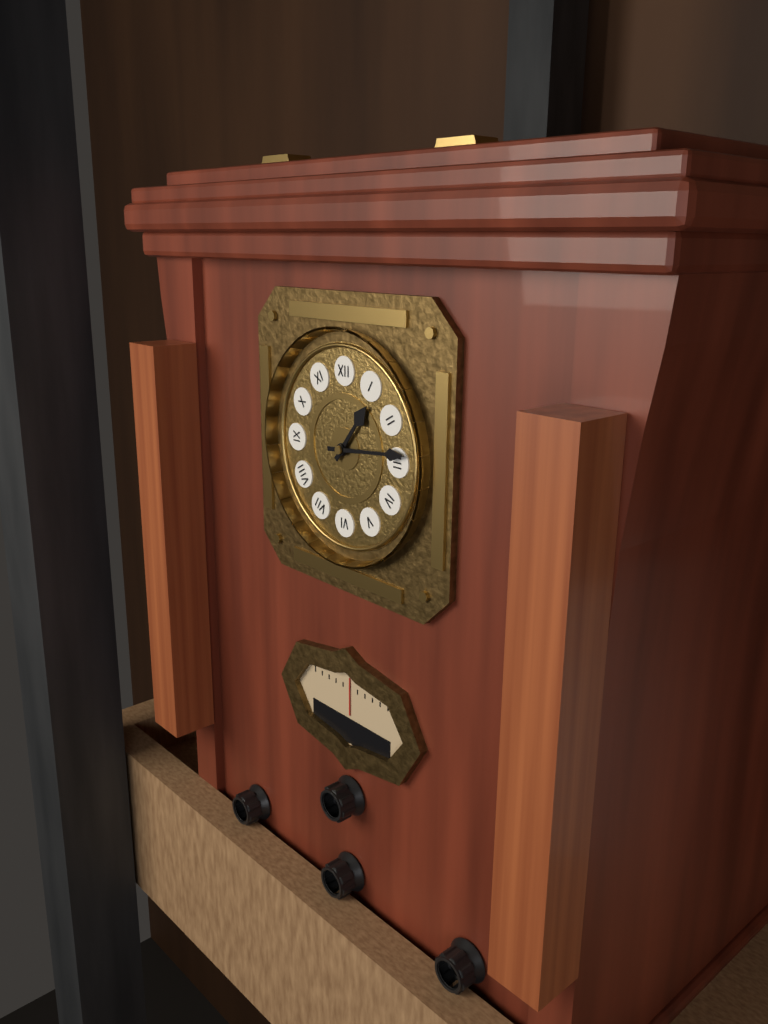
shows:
1,14
